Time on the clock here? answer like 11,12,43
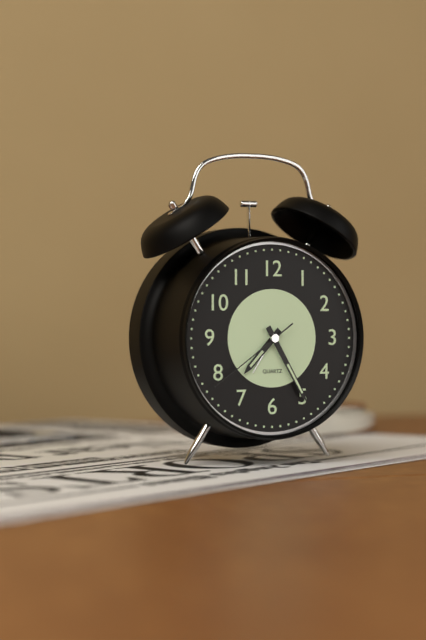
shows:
7,25,39
